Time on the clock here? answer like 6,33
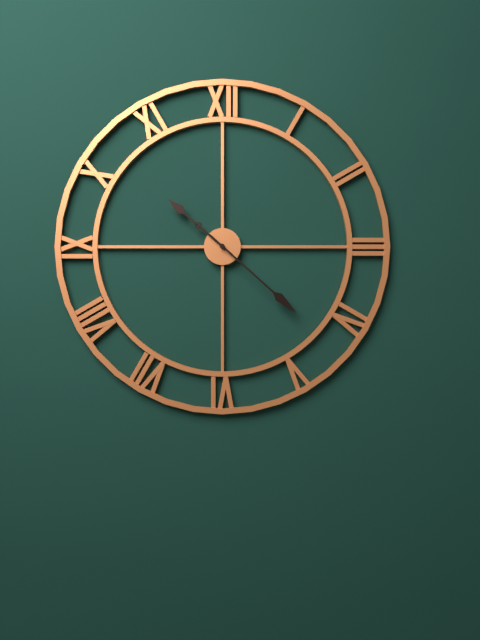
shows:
10,22
